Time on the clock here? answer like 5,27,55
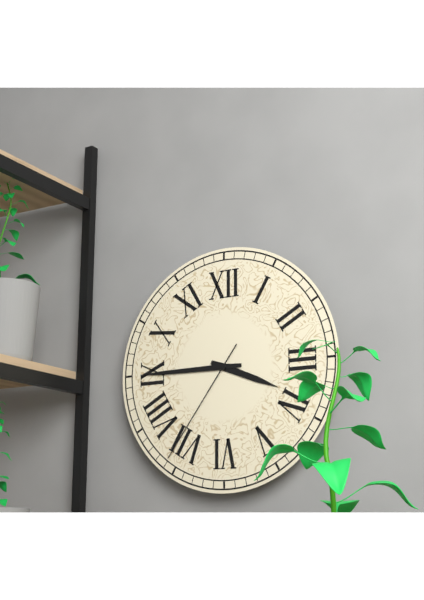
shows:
3,45,36
